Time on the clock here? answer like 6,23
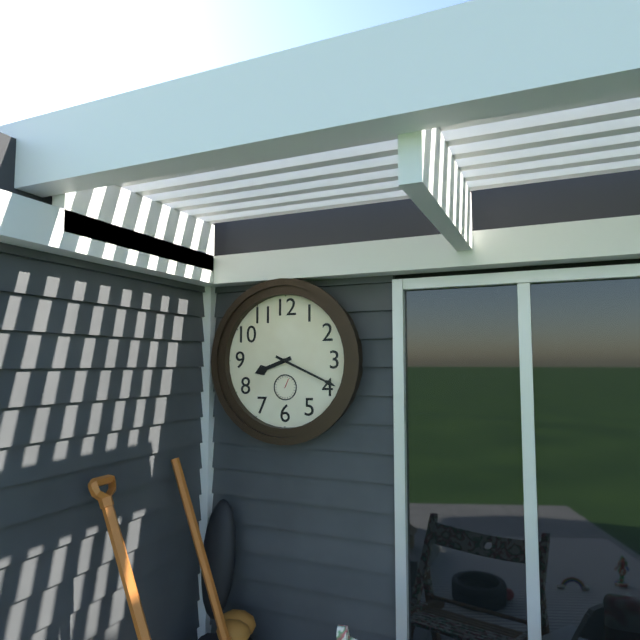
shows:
8,19
